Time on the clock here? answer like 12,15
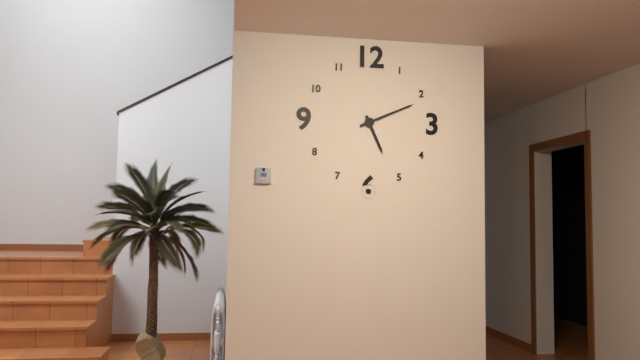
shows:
5,11
